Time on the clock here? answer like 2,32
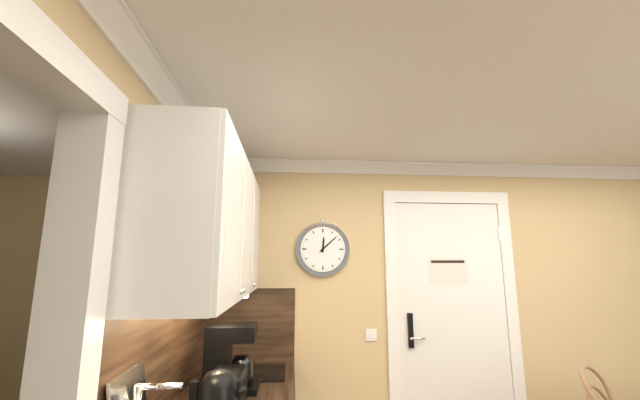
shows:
12,08
